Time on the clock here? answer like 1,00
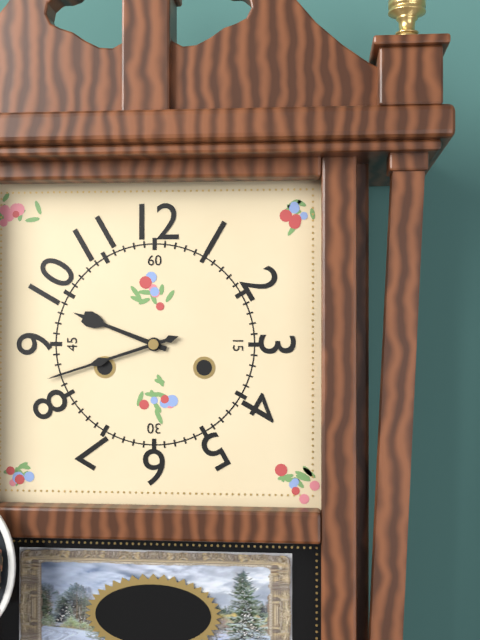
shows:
9,42
